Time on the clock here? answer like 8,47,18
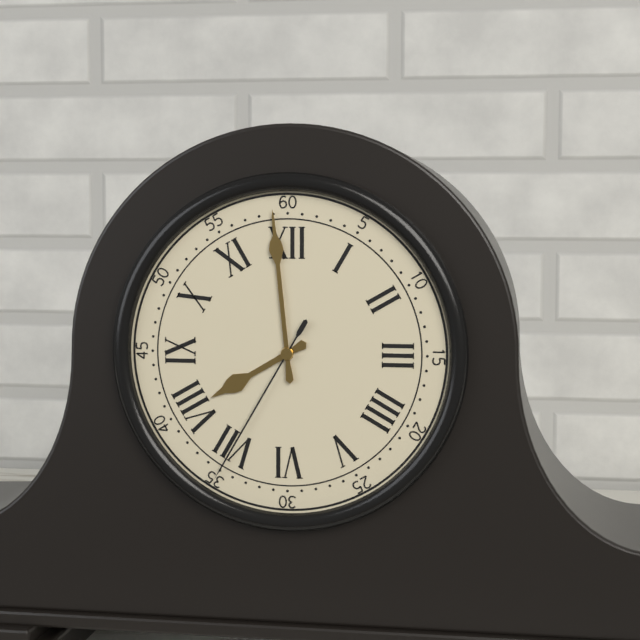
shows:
7,59,35
